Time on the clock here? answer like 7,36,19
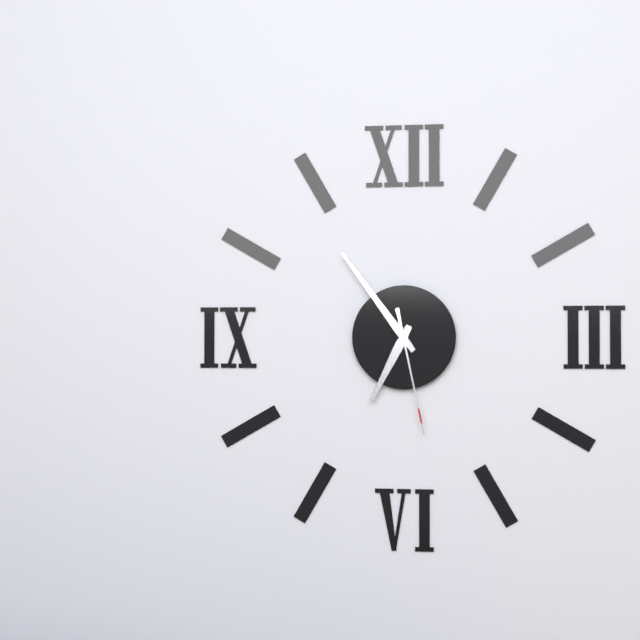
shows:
6,54,28
